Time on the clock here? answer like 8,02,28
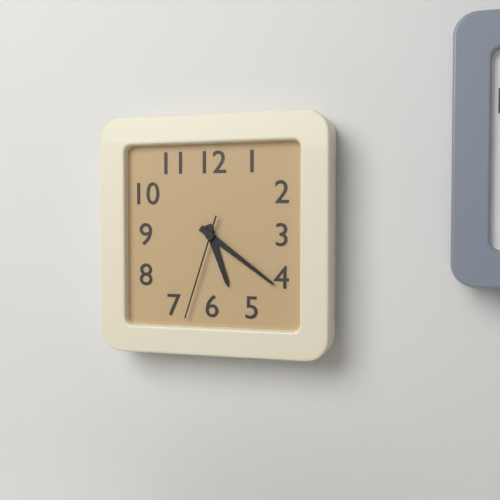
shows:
5,21,33
